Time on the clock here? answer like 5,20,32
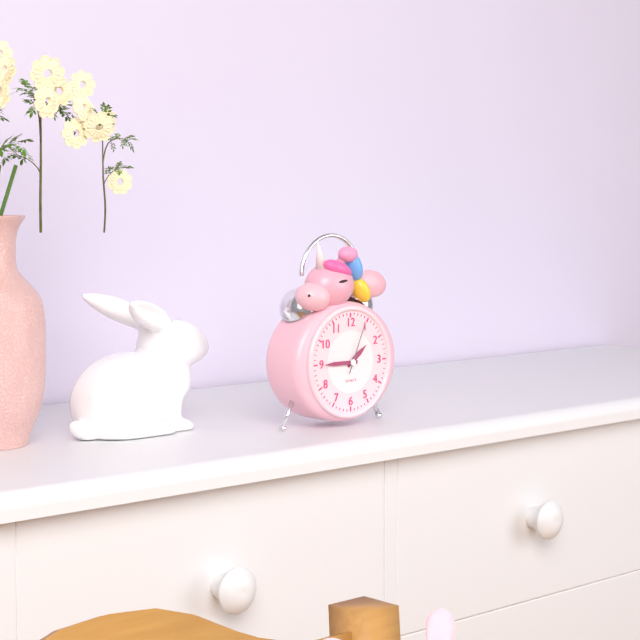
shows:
1,45,04
